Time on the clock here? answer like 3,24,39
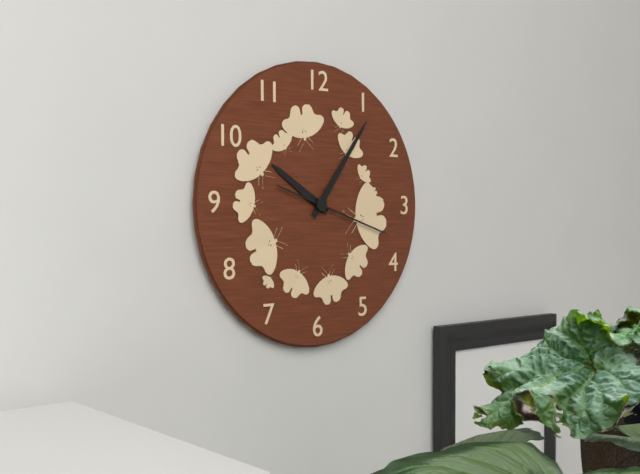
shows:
10,06,18
